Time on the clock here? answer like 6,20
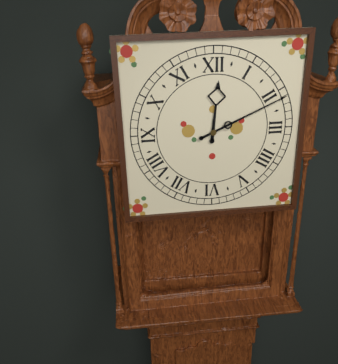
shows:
12,11
